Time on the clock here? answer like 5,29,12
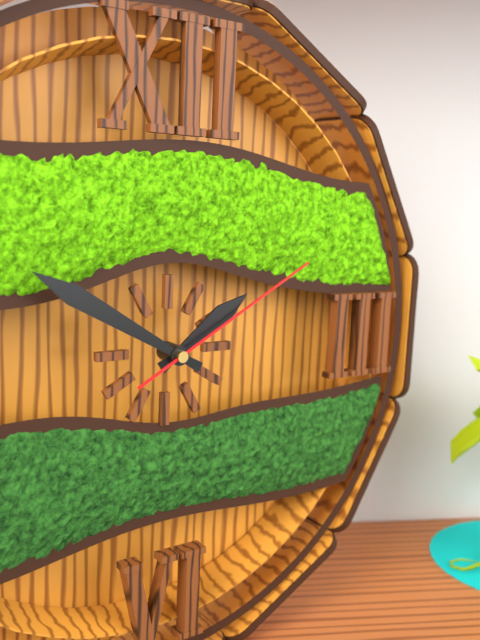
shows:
1,50,10
